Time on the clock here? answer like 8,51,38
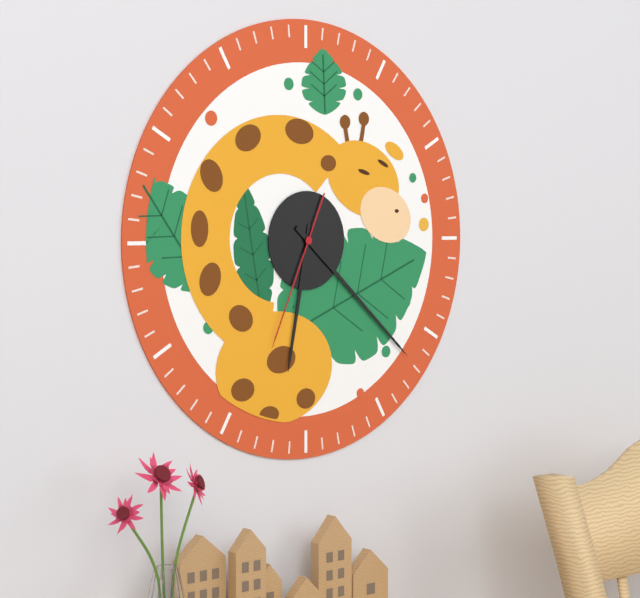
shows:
6,22,34
